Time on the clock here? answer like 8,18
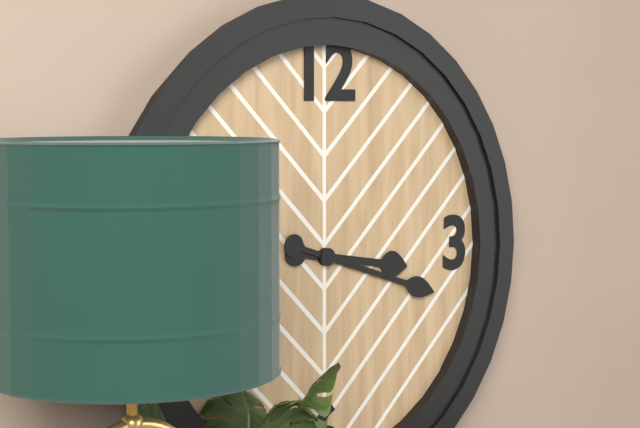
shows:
3,18
